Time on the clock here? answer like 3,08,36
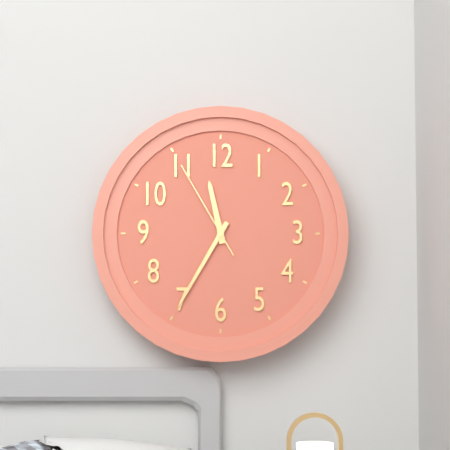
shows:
11,35,55
